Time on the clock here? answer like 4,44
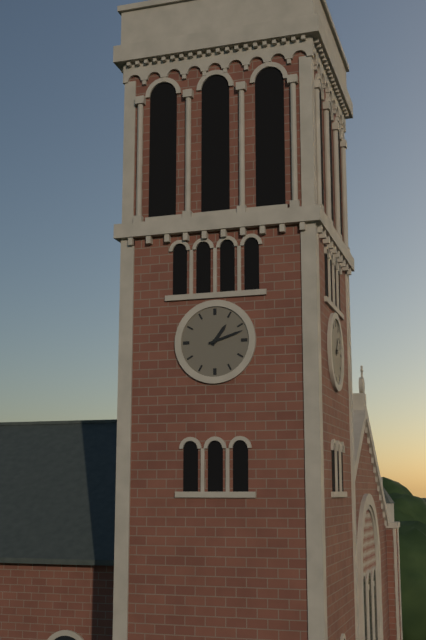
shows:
1,12
